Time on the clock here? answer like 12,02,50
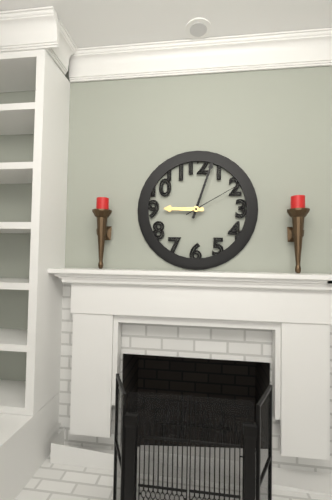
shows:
9,03,10
